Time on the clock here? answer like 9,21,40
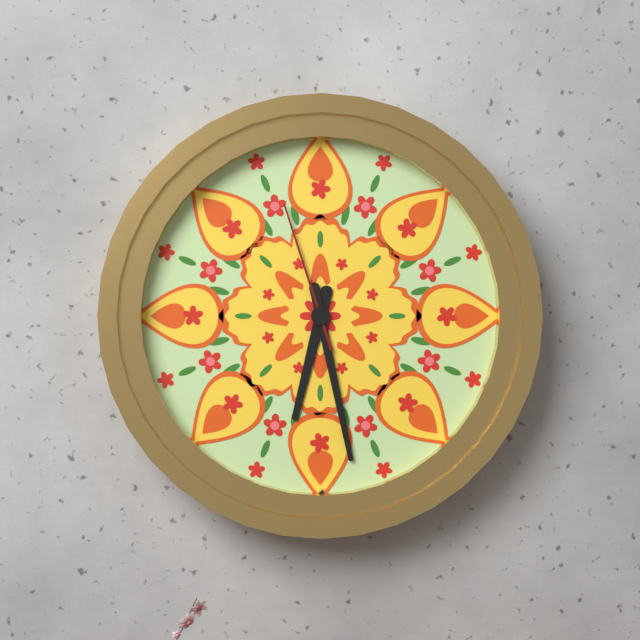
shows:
6,28,57
